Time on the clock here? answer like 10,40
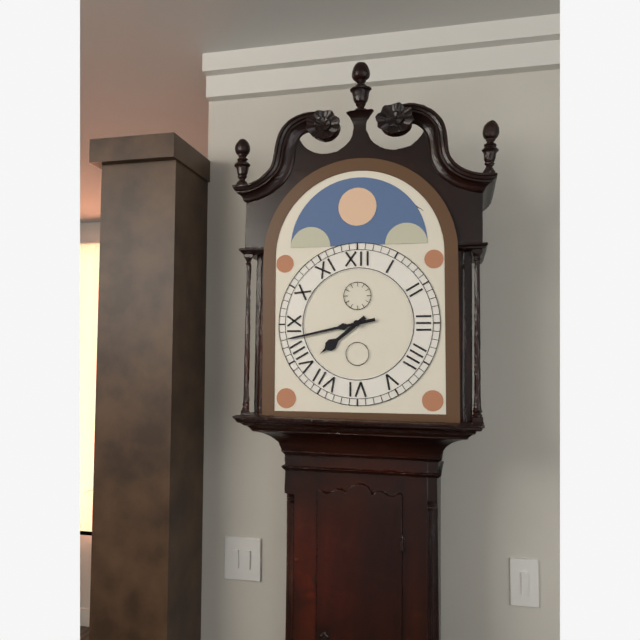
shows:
7,43
